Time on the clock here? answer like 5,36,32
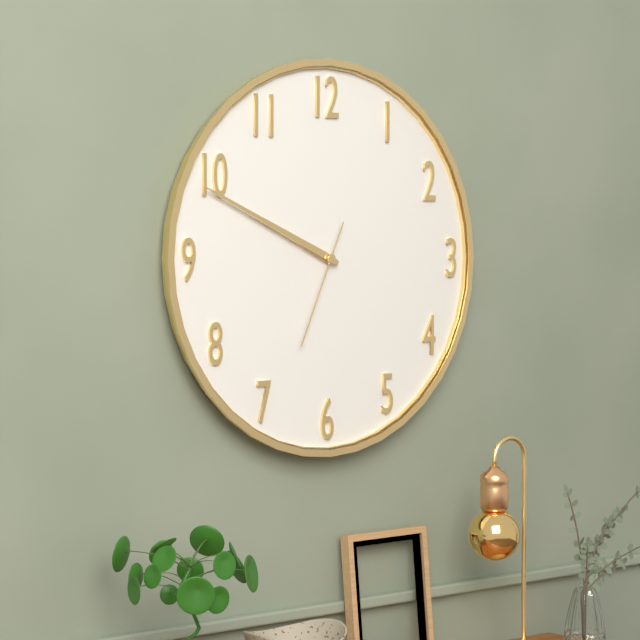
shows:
9,49,34
